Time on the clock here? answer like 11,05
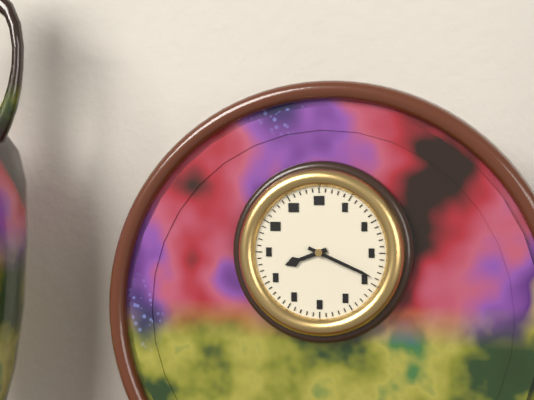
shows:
8,19
